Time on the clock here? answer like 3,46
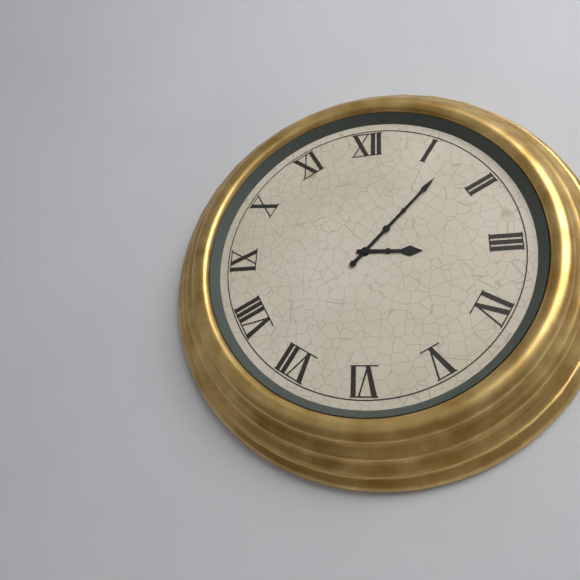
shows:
3,07
